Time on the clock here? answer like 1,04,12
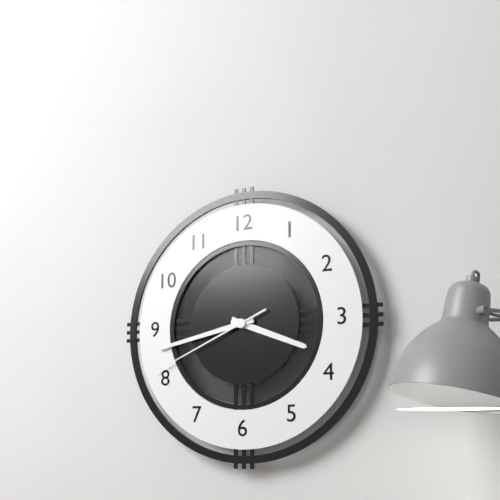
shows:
3,43,41
